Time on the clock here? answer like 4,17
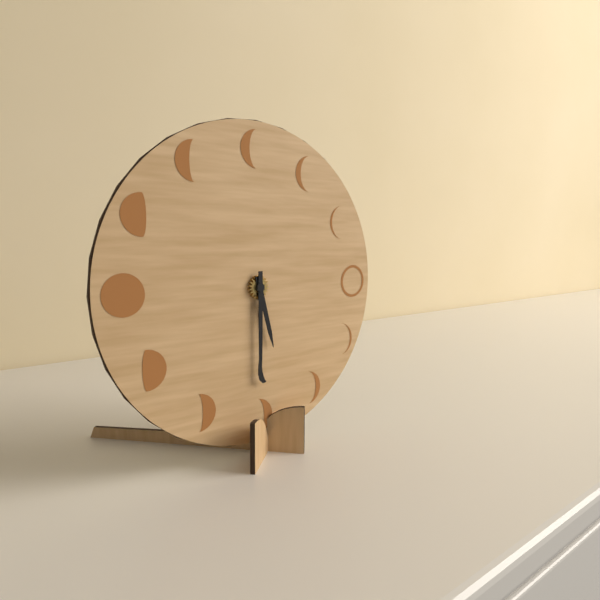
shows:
5,30
